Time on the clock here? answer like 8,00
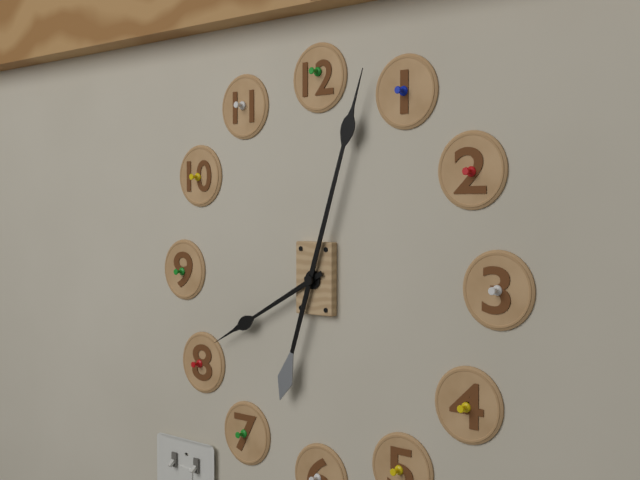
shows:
8,03
